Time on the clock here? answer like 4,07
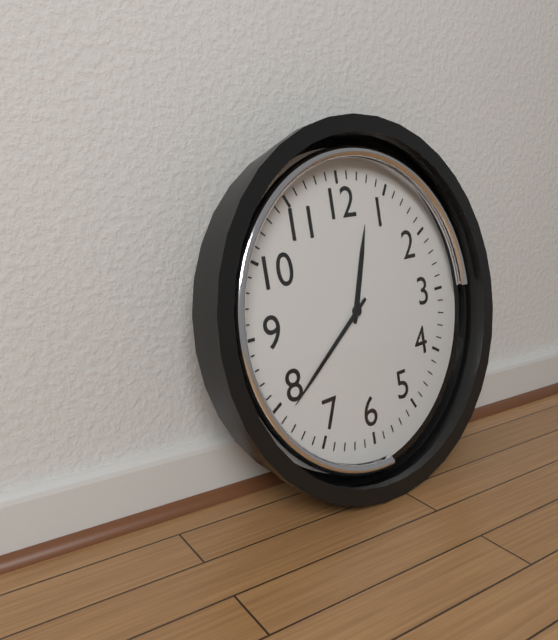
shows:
12,39
